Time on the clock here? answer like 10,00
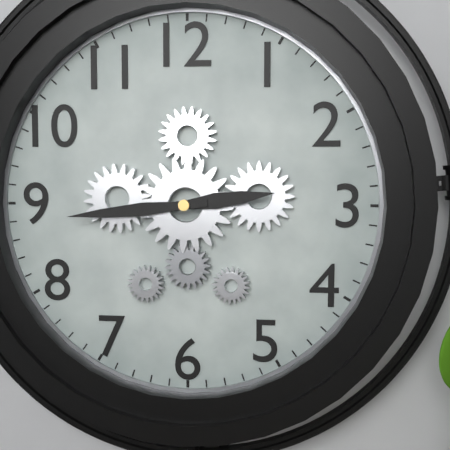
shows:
2,44
